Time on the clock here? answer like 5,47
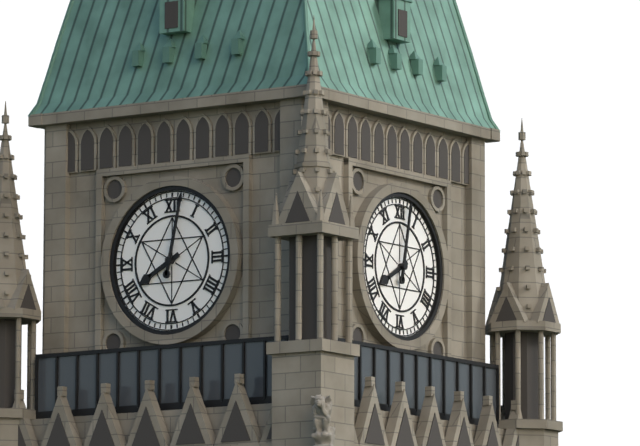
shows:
8,02
